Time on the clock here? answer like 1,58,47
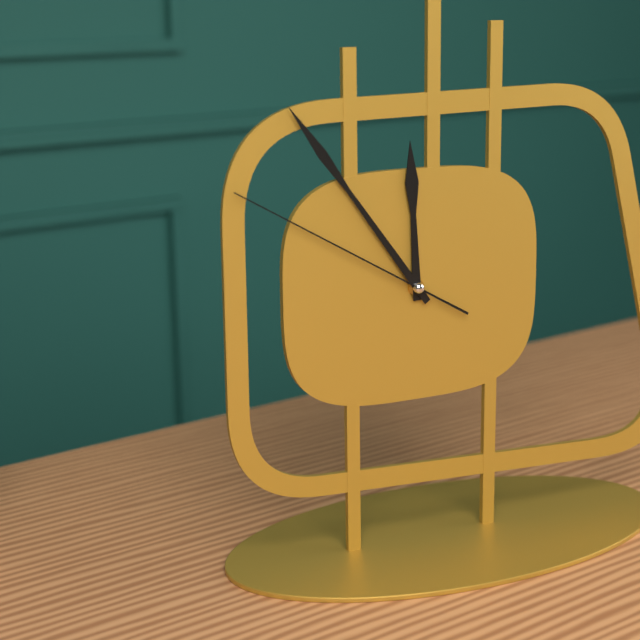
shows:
11,54,50
